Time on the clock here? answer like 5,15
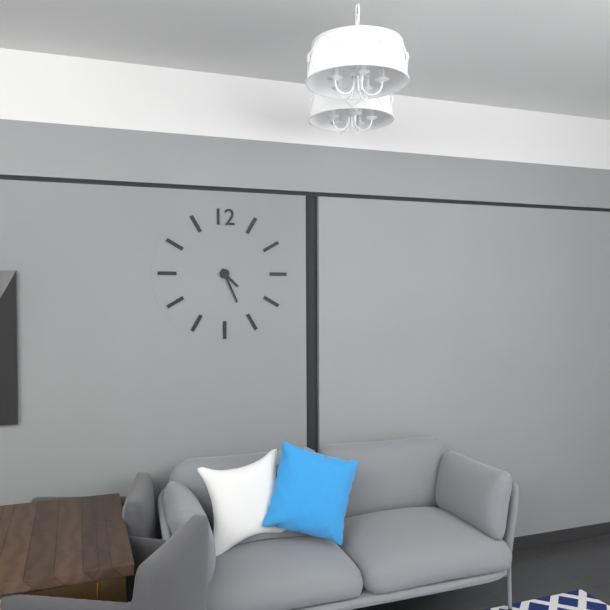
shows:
4,26
